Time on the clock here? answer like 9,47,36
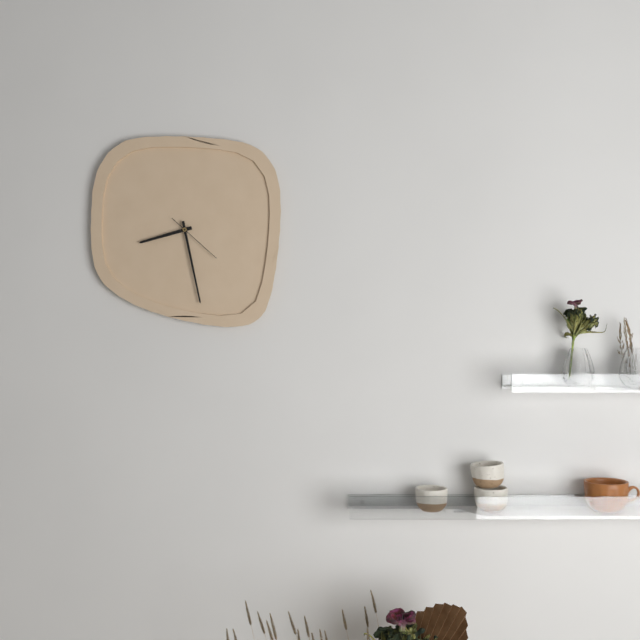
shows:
8,28,22
